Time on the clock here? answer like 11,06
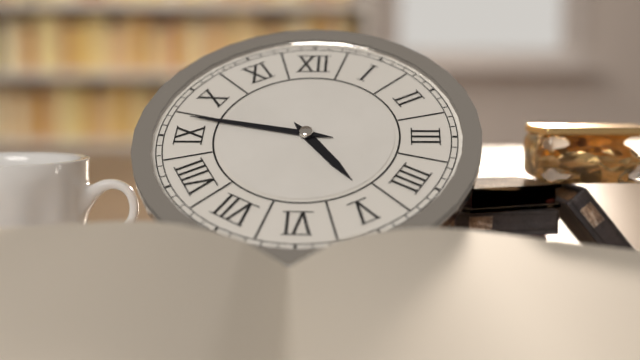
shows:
4,47
